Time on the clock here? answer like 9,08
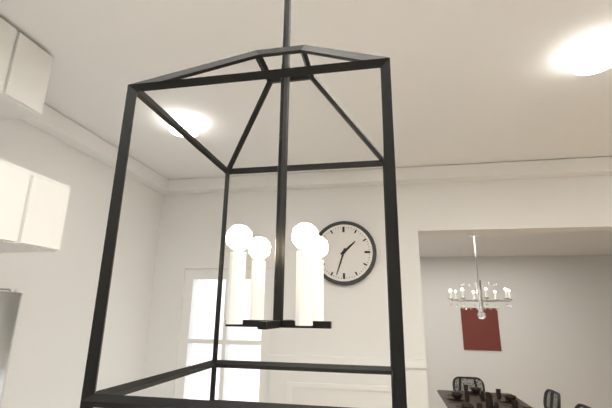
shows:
1,33
